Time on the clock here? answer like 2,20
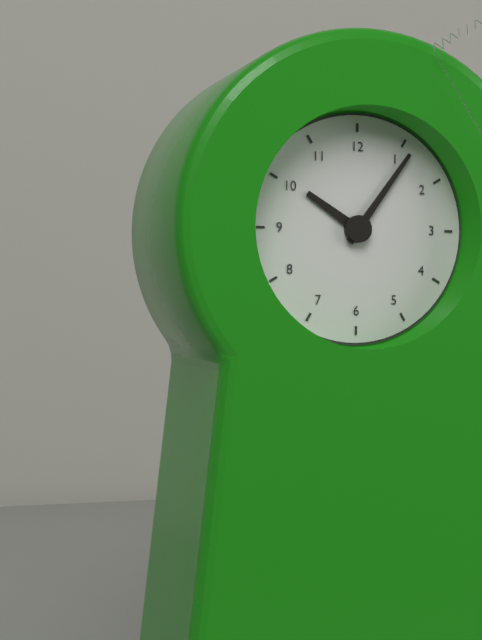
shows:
10,06
